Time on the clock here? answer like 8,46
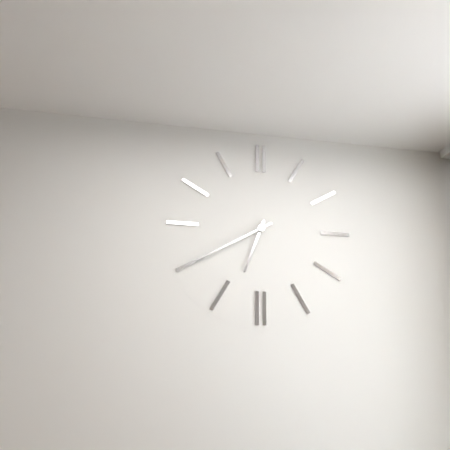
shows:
6,40
